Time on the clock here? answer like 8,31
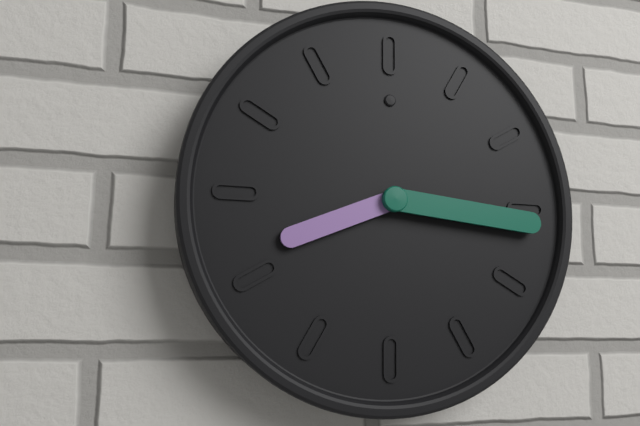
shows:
8,16
